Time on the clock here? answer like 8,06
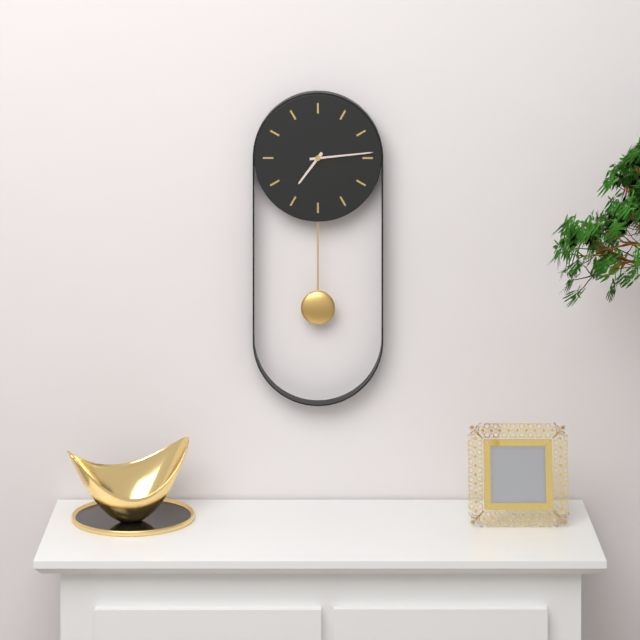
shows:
7,14
